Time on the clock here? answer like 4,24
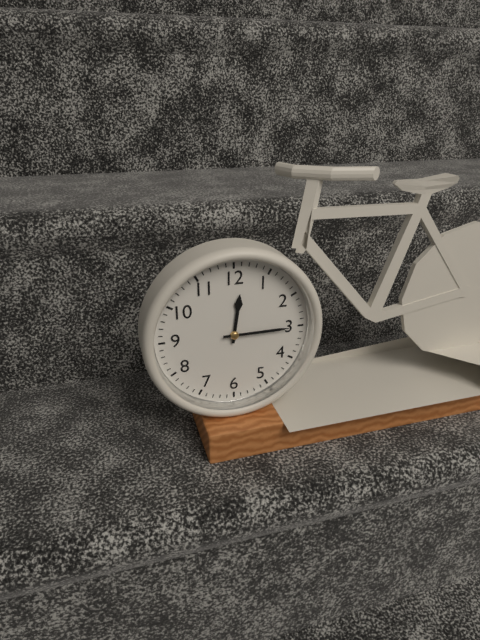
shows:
12,15
